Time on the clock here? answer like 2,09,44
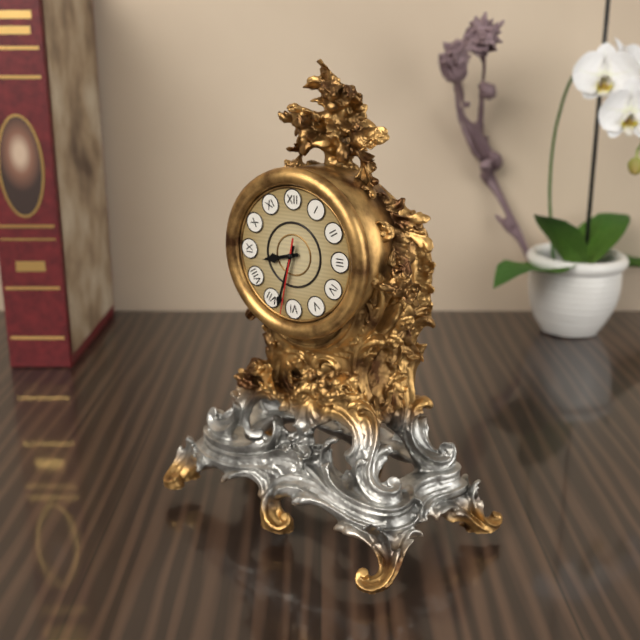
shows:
8,33,32
